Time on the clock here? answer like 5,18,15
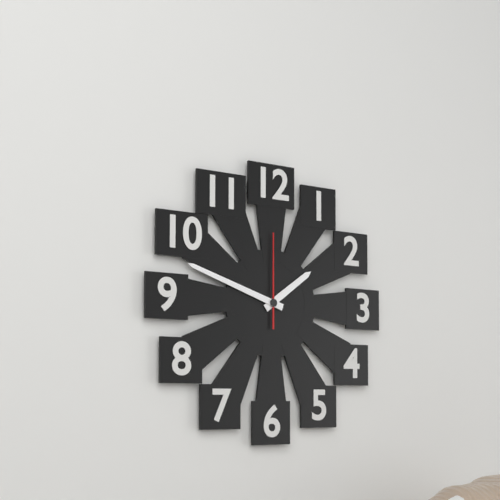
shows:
1,48,00
